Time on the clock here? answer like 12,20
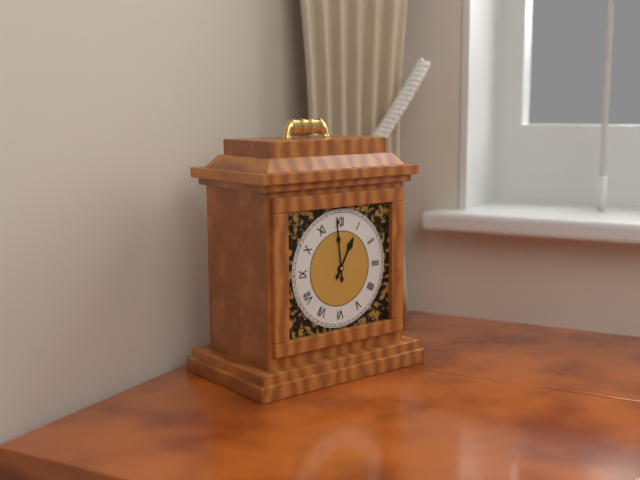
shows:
12,59
